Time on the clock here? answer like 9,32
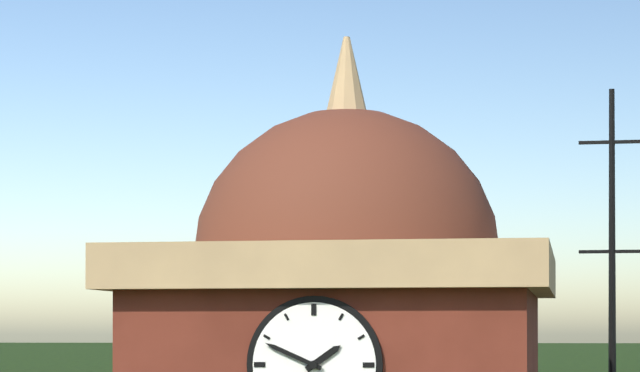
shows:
1,49
